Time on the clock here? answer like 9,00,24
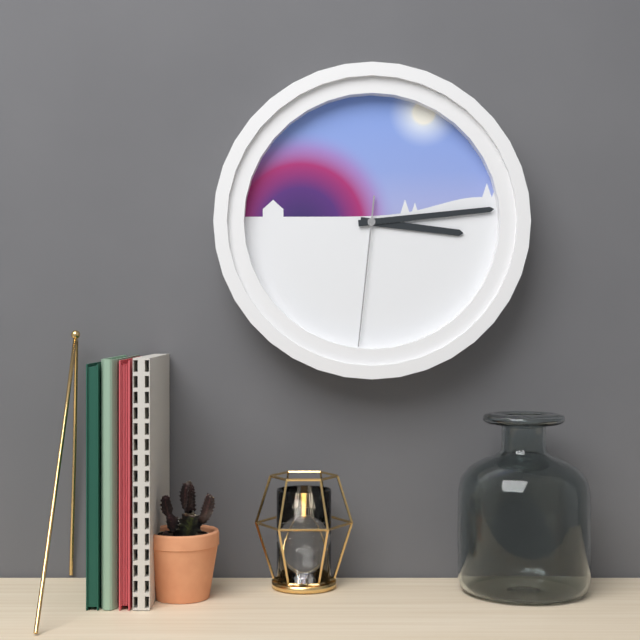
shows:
3,14,31
